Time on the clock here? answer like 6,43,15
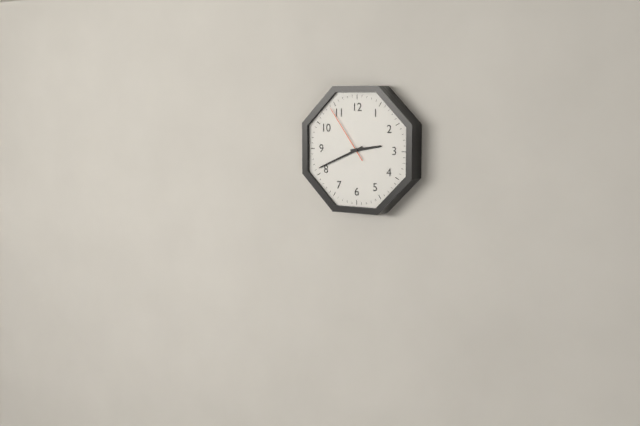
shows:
2,41,54
